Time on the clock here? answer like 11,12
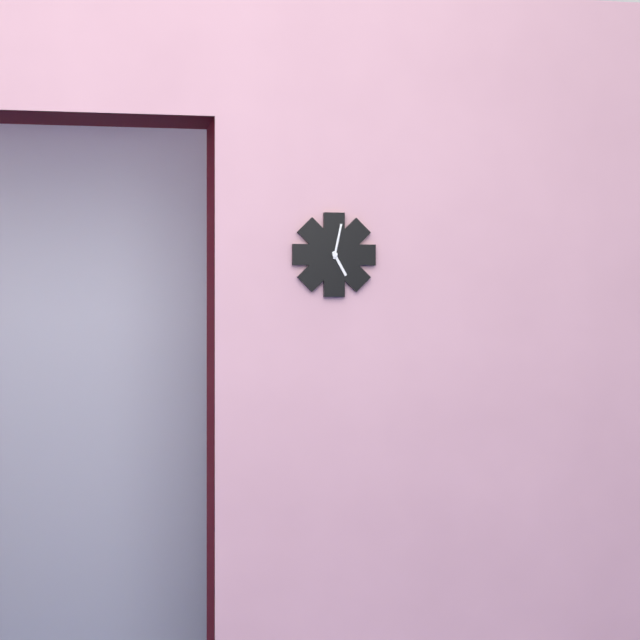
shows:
5,02
